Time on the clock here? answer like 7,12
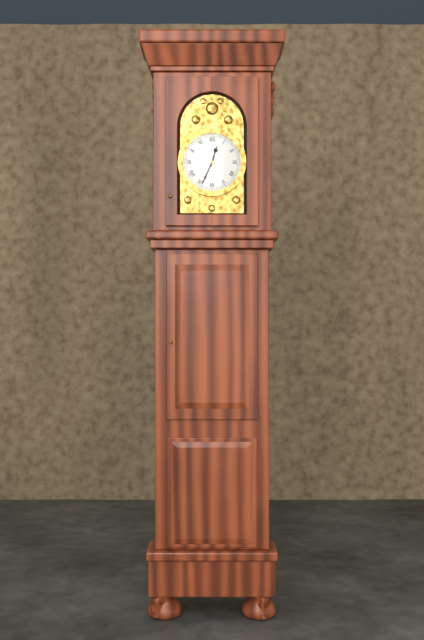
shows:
12,34
